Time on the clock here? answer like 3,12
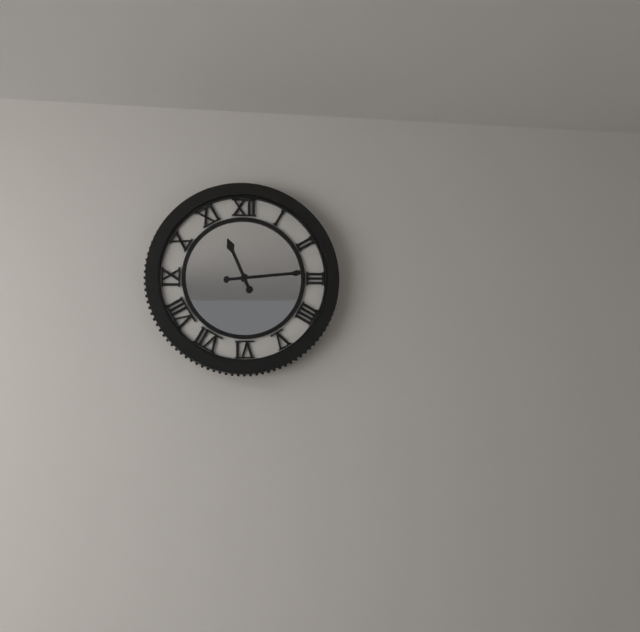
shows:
11,14
